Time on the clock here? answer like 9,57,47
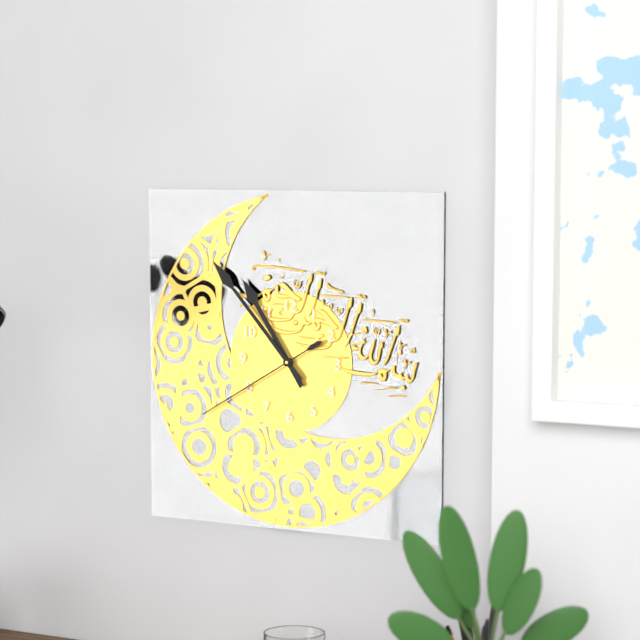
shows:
10,53,40
